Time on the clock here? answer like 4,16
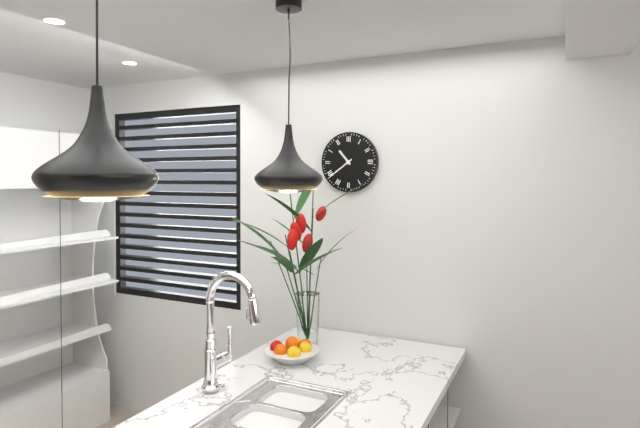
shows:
10,39
